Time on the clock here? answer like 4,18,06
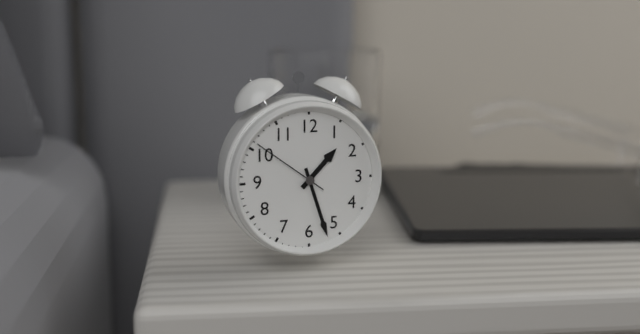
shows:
1,27,51
